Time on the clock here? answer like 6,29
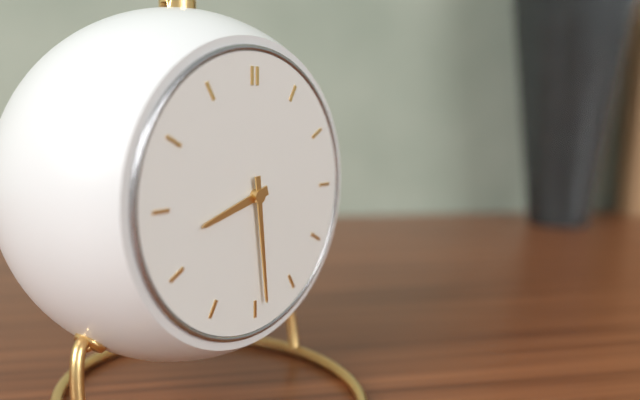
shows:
8,29
